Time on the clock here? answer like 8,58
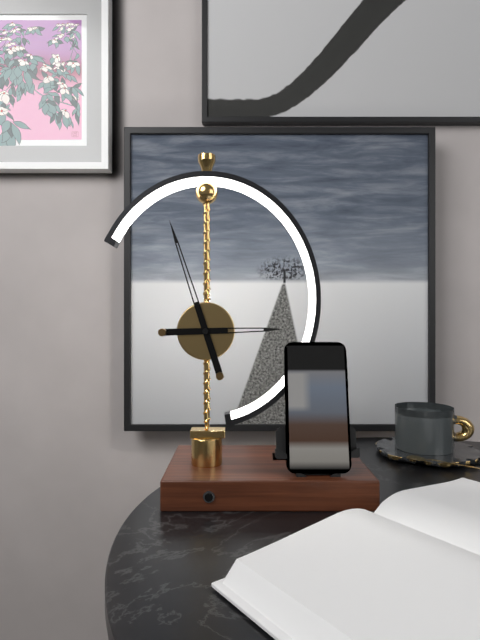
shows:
2,57
